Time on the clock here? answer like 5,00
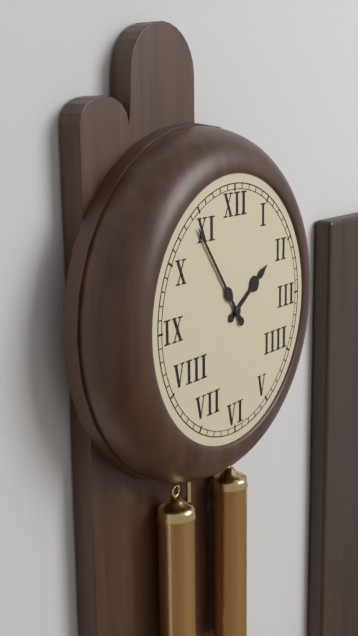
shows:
1,54
